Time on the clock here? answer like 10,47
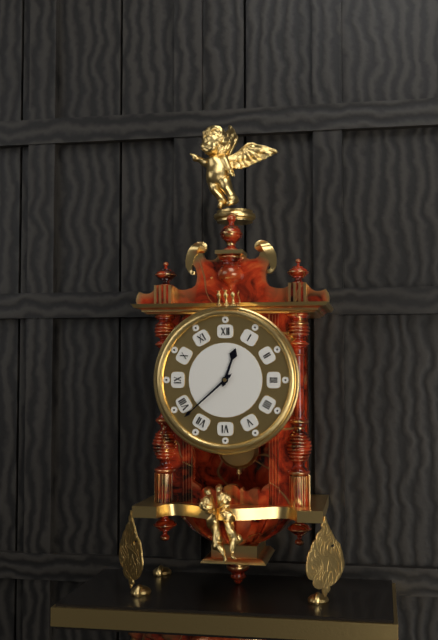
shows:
12,38
